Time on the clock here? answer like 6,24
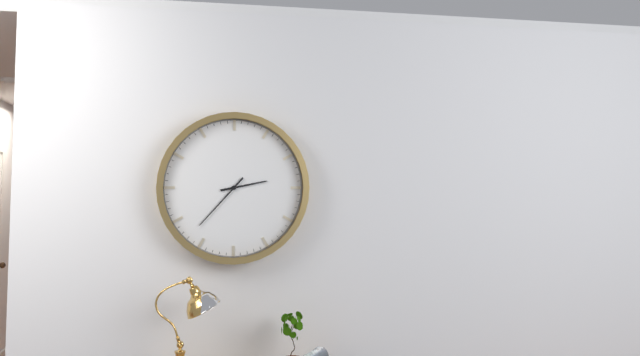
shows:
2,37
